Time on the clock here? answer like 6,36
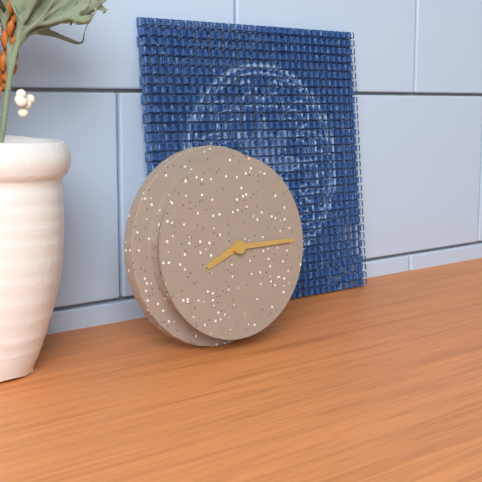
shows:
8,15
